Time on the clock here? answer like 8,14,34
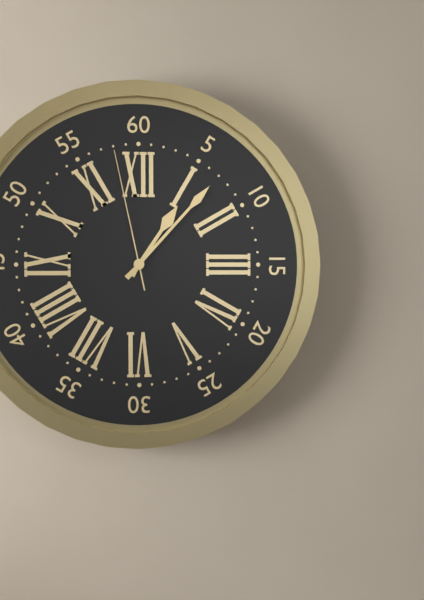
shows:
1,07,58
